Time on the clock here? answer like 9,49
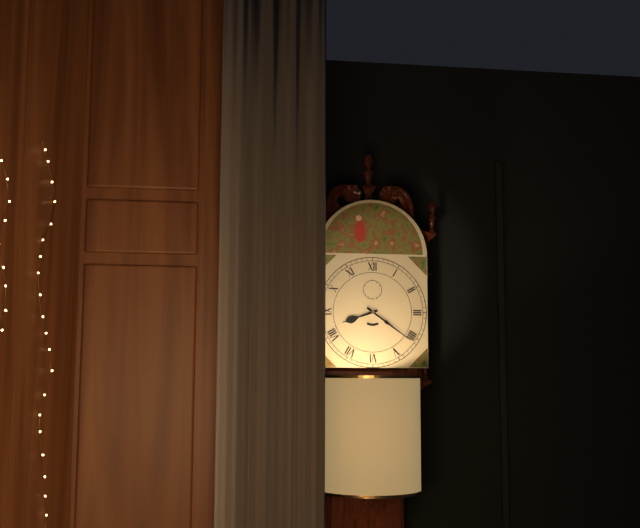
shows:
8,21
